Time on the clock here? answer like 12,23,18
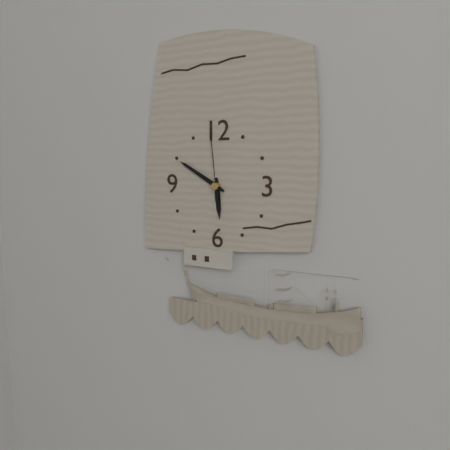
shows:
5,50,59
